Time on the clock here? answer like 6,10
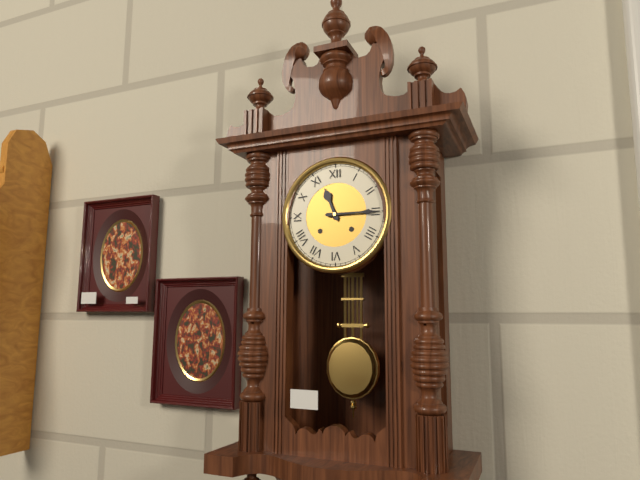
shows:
11,15
